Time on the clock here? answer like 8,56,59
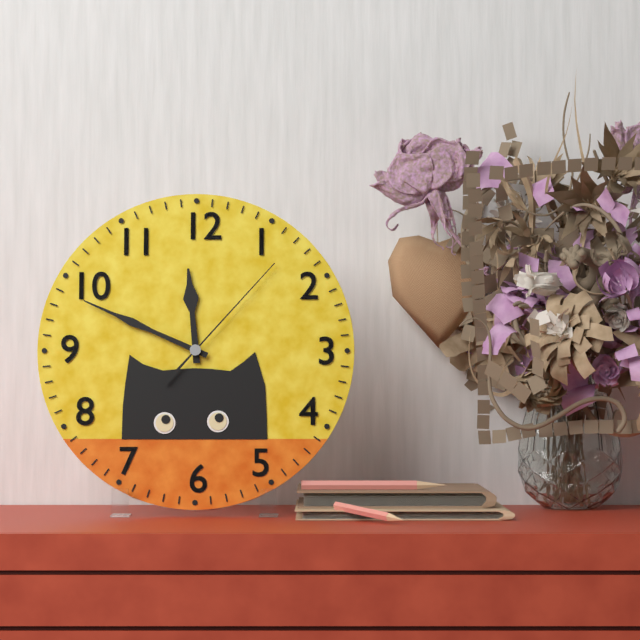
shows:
11,49,07
